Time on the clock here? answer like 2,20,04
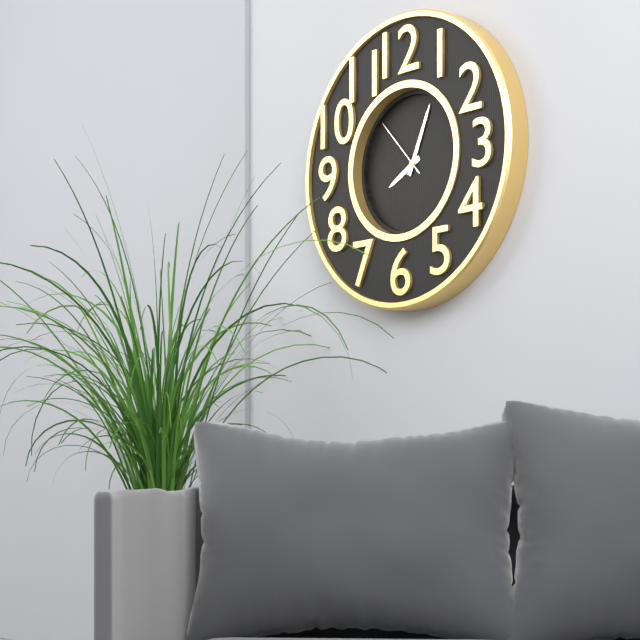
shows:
8,04,53
